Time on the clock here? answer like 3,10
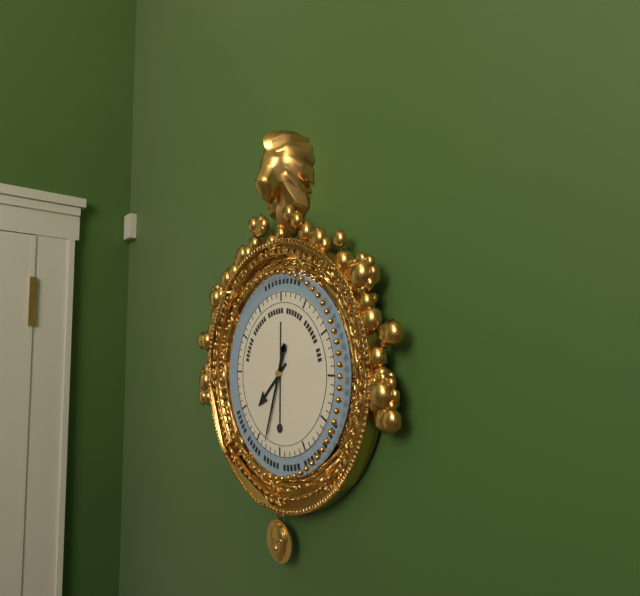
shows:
7,33
